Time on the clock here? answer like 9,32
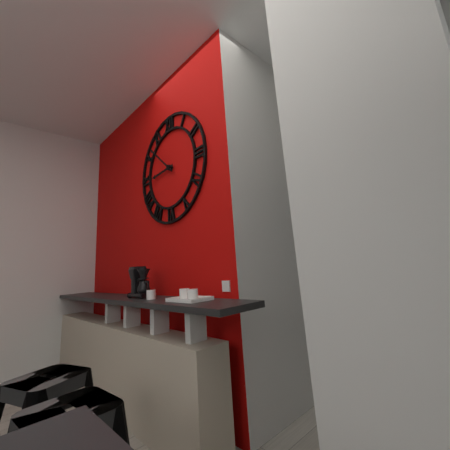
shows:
8,52
